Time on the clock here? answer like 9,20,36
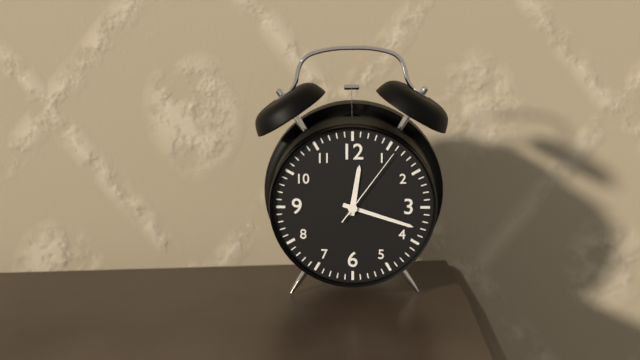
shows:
12,18,06
